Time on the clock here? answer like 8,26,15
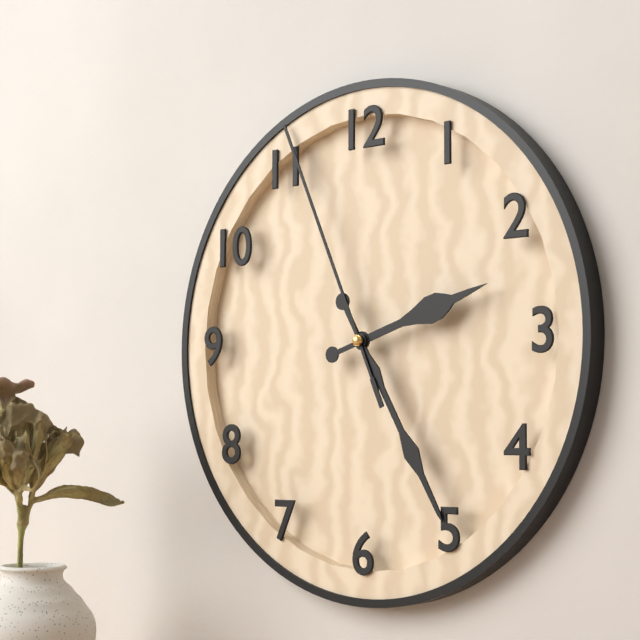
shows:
2,25,56
